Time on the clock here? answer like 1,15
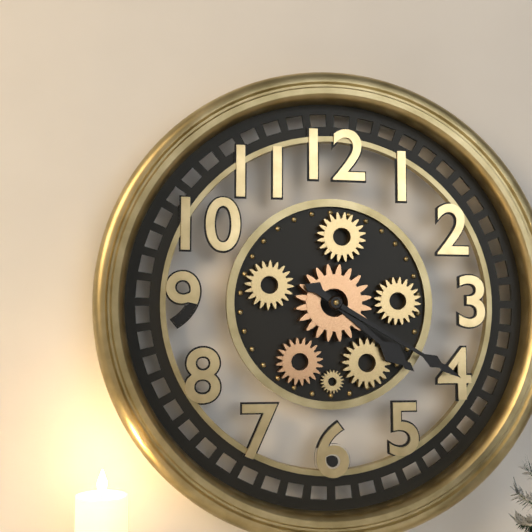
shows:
4,20
